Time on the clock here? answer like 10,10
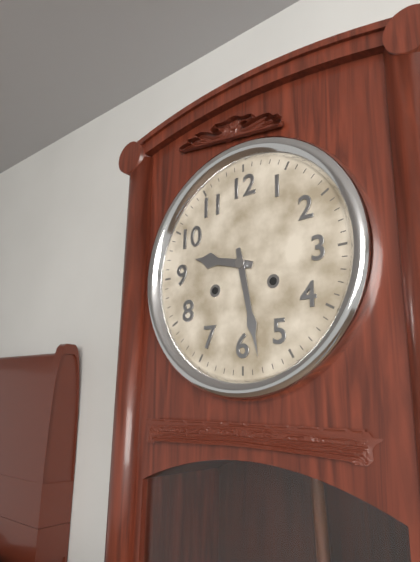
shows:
9,28
